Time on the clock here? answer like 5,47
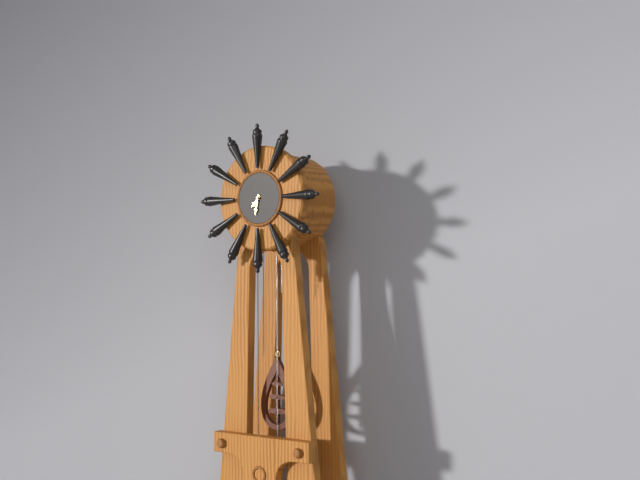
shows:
7,32
